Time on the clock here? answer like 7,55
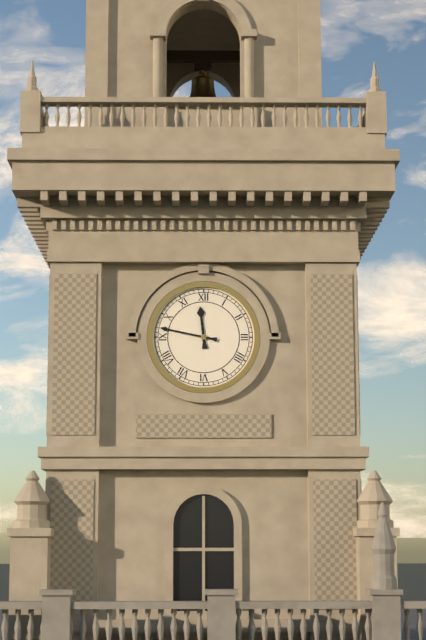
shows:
11,47
